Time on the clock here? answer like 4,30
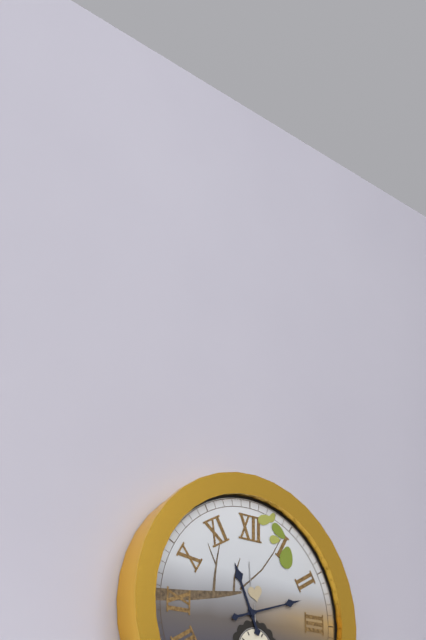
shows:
11,12
